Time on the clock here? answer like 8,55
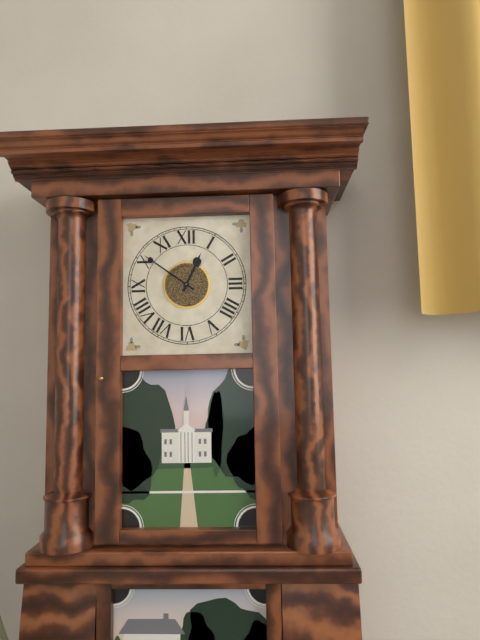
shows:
12,51
